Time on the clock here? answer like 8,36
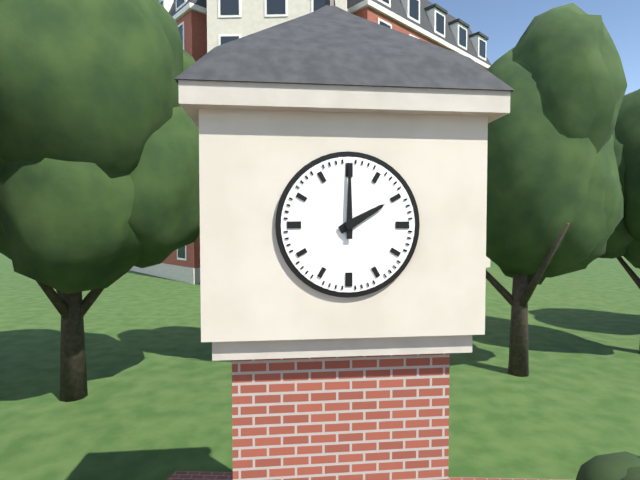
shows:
2,00
